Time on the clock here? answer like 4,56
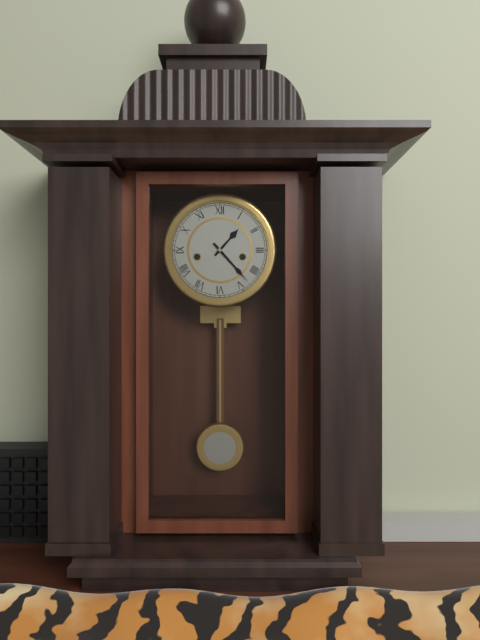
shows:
1,23
